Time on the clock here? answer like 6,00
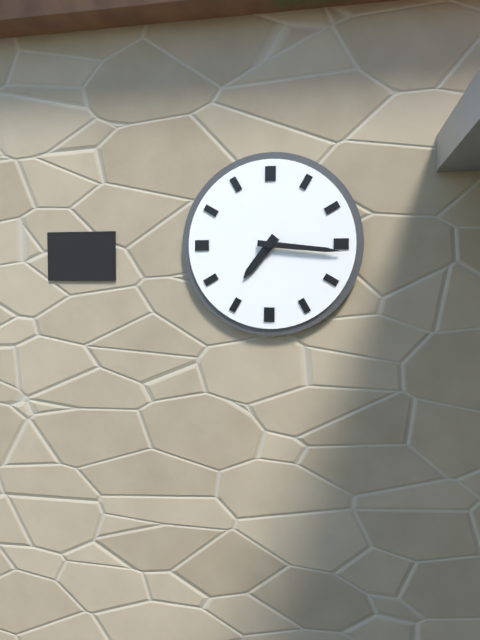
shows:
7,16
